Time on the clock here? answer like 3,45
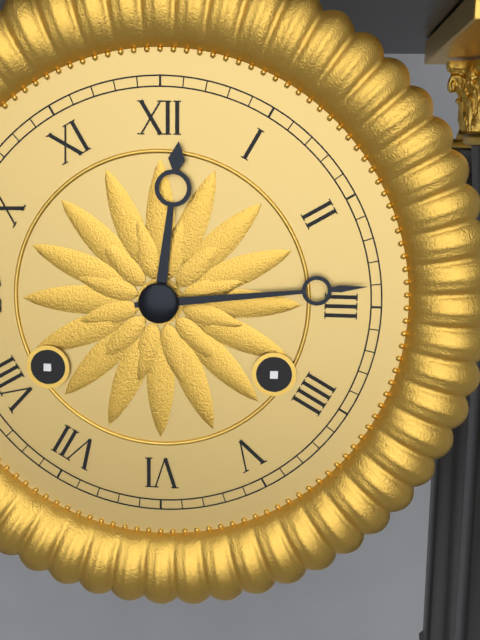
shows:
12,14
